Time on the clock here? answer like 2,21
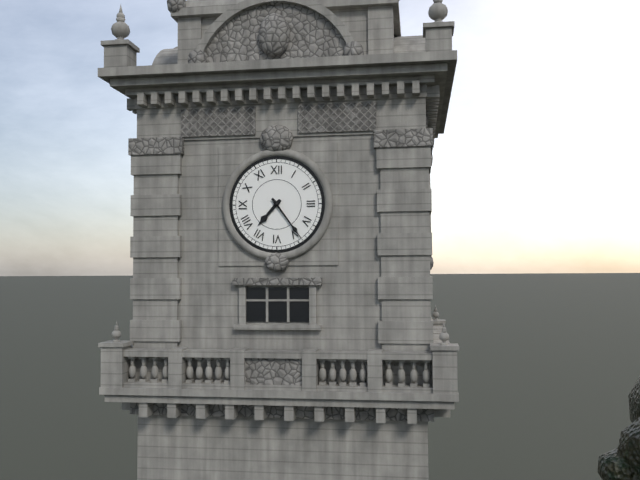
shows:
7,24
